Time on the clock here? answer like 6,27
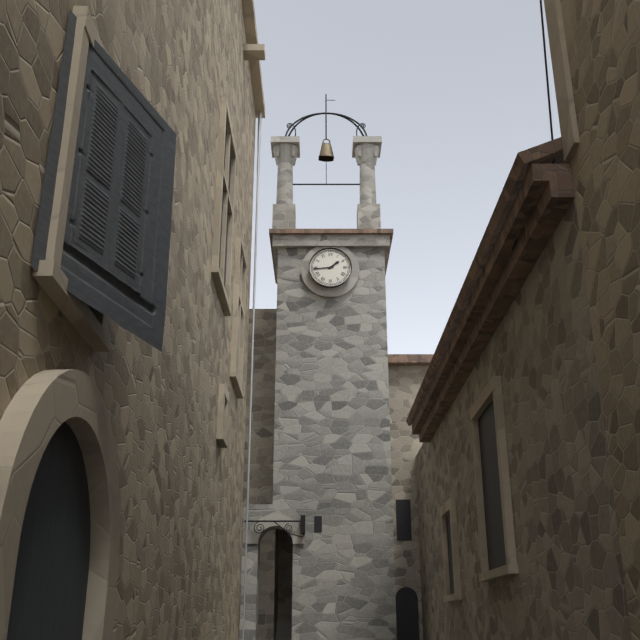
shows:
1,44
